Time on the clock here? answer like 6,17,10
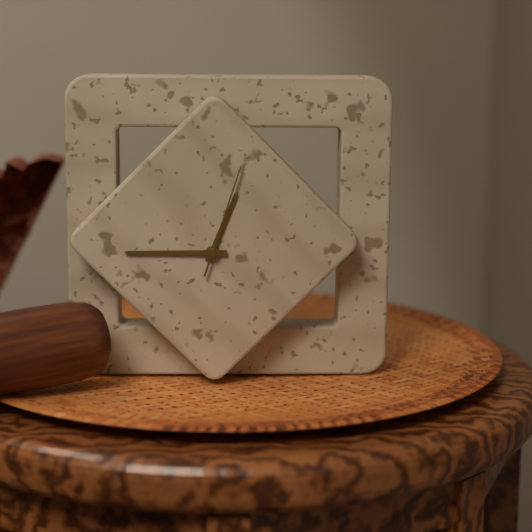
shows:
12,45,03
